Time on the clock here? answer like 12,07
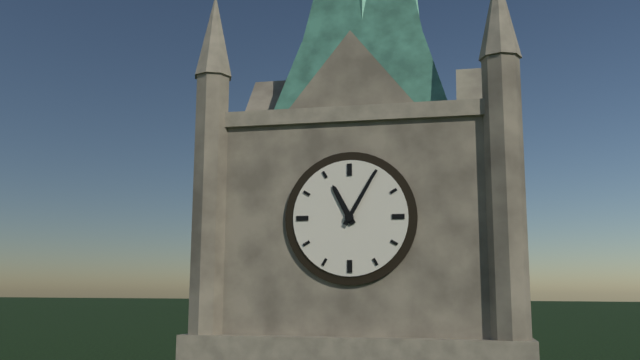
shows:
11,05
